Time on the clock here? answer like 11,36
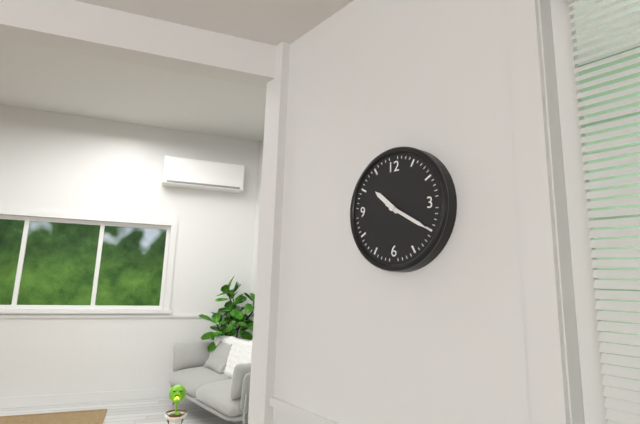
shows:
10,20
